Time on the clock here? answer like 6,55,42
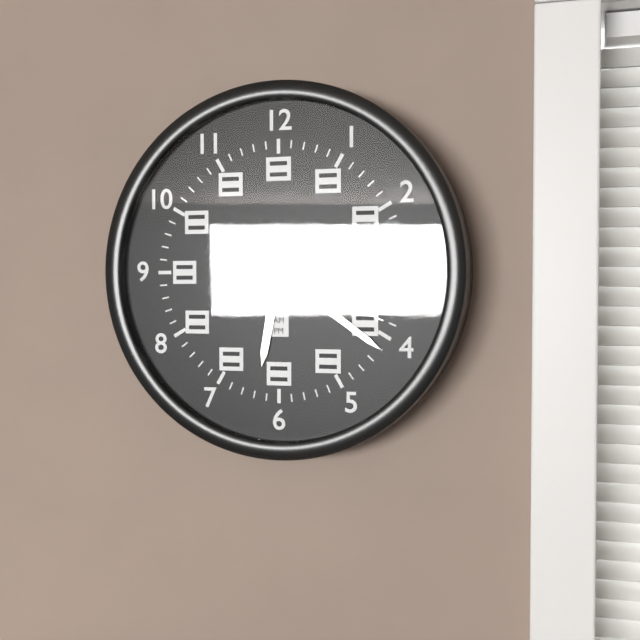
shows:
6,21,19
